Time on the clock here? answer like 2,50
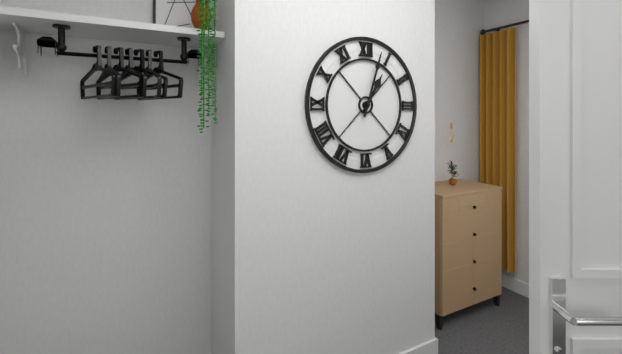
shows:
1,03
